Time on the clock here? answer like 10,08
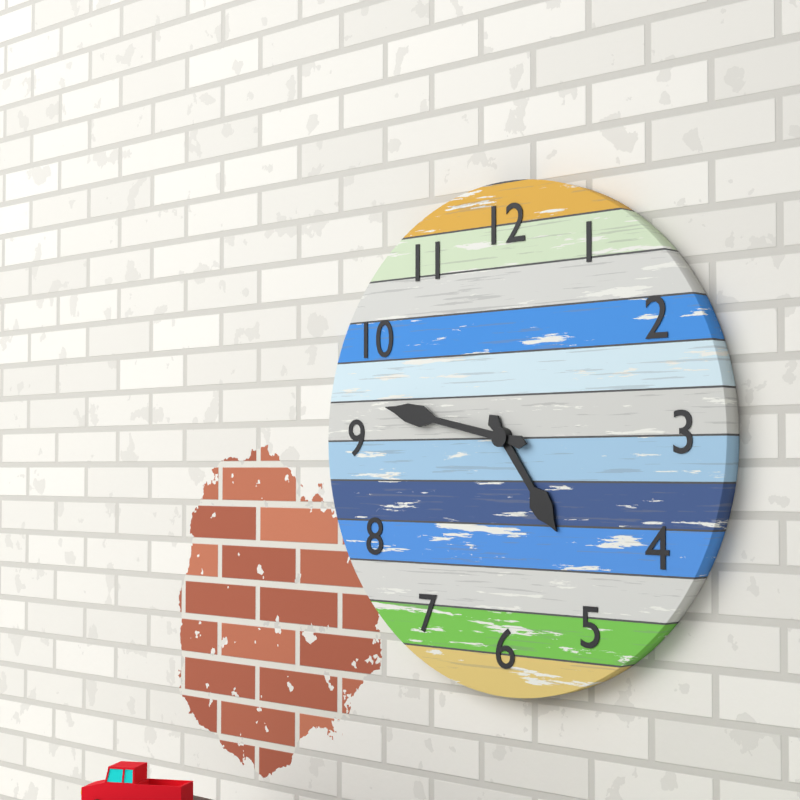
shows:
4,47
